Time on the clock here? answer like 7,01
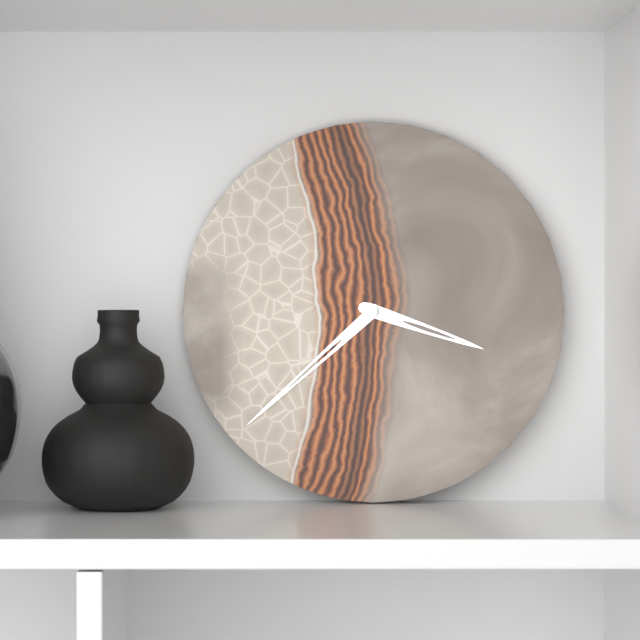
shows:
3,38
